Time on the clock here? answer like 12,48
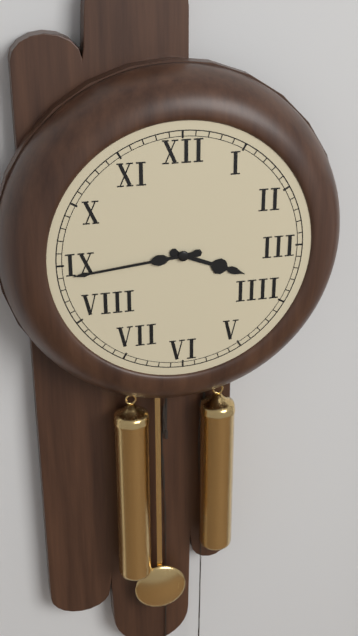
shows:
3,44
